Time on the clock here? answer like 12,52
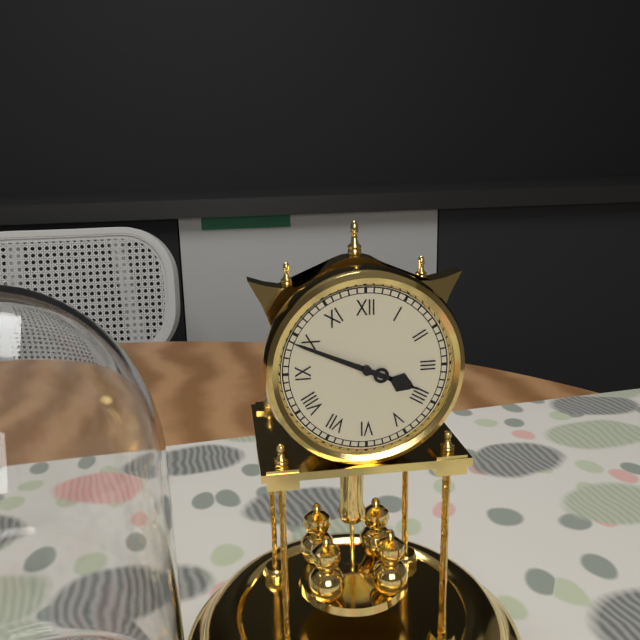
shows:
3,49
